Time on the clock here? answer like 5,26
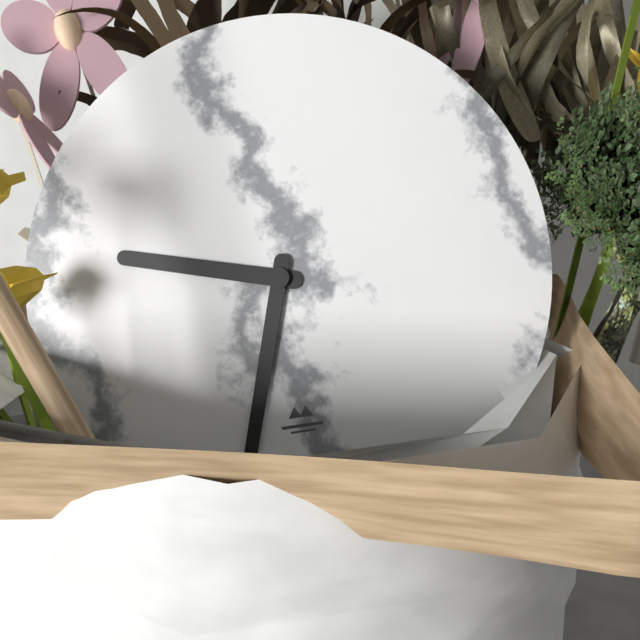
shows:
9,33
